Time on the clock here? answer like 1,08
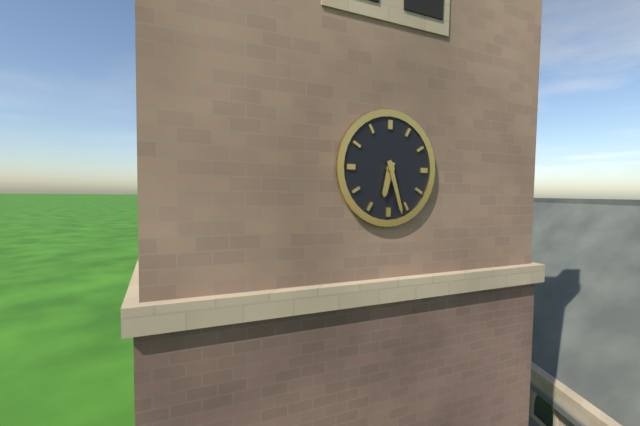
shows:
6,27
